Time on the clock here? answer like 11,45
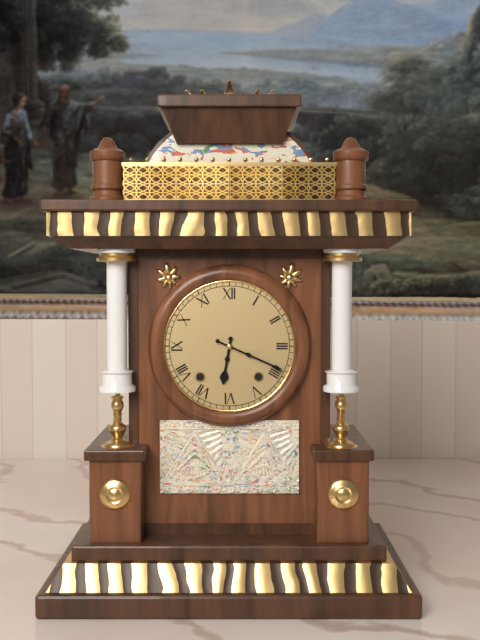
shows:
6,19
